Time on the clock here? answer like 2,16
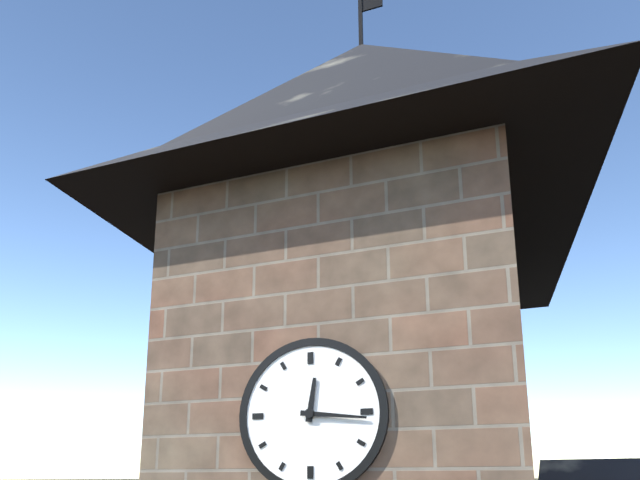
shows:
12,16
